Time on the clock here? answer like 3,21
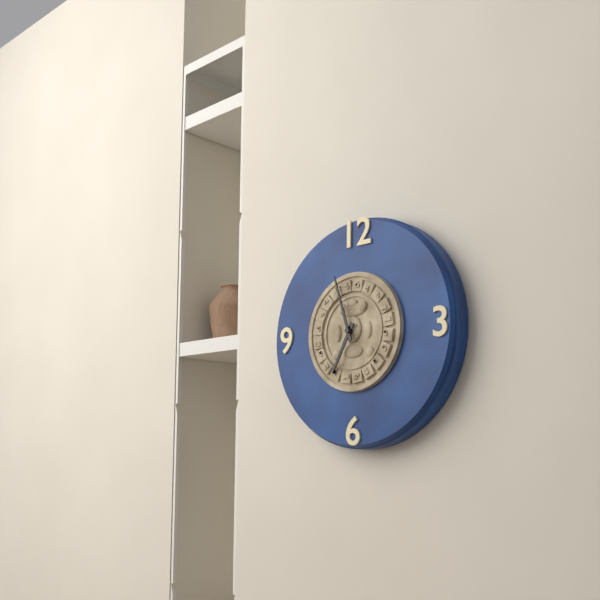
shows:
6,57
